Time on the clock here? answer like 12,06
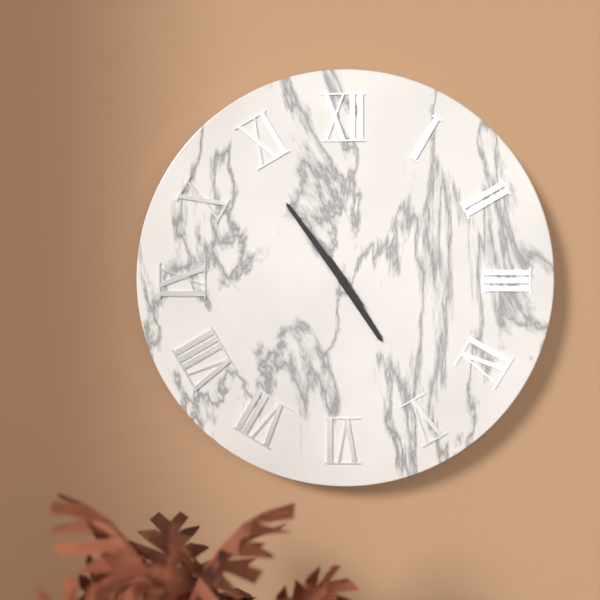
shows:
4,54
